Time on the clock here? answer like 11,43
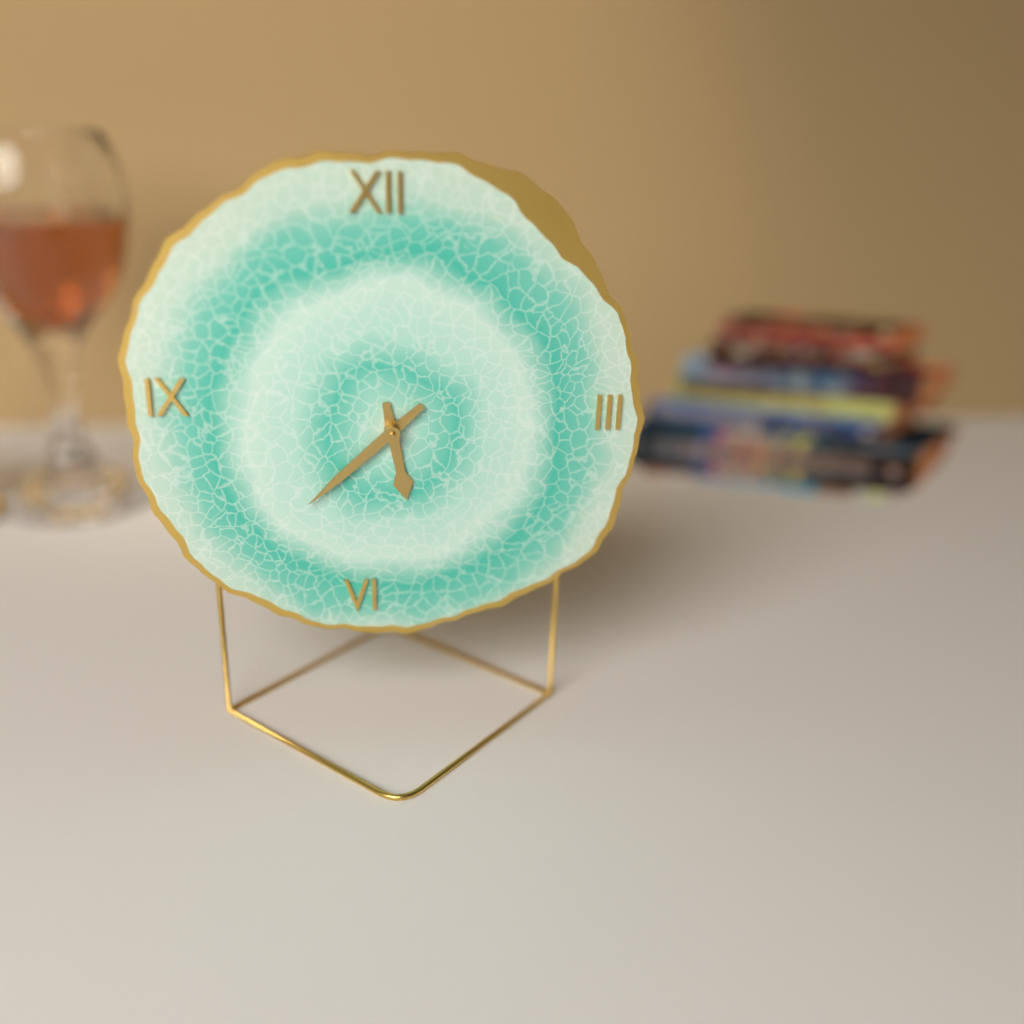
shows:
5,38
